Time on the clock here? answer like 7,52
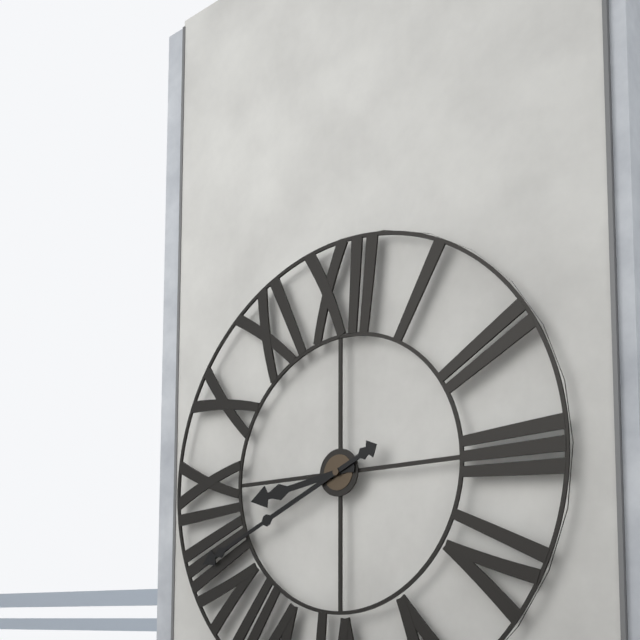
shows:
8,41
